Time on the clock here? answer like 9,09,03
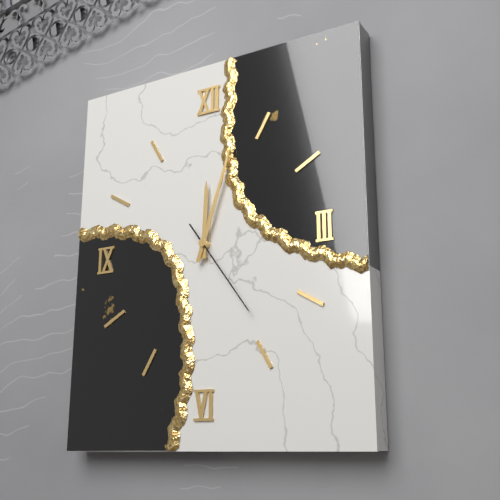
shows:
12,03,24
